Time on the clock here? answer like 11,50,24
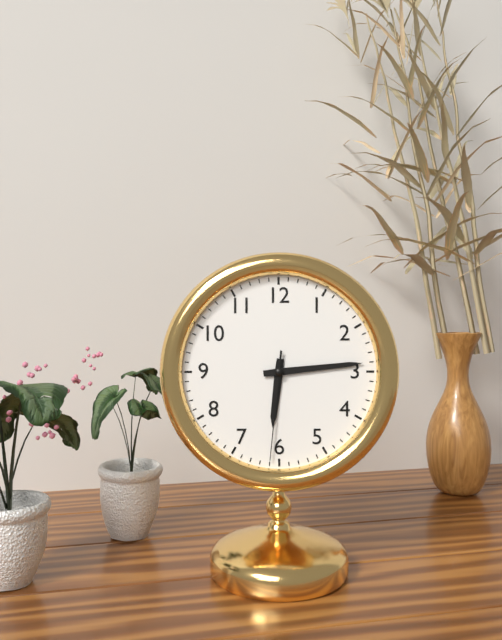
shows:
6,14,31
